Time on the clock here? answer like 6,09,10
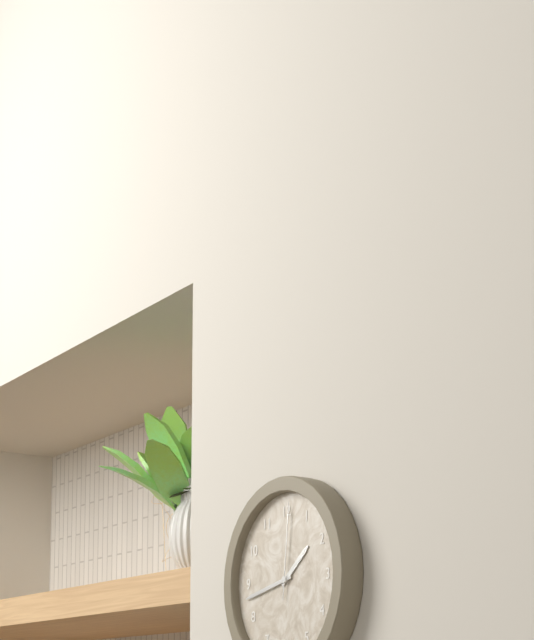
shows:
1,43,01
